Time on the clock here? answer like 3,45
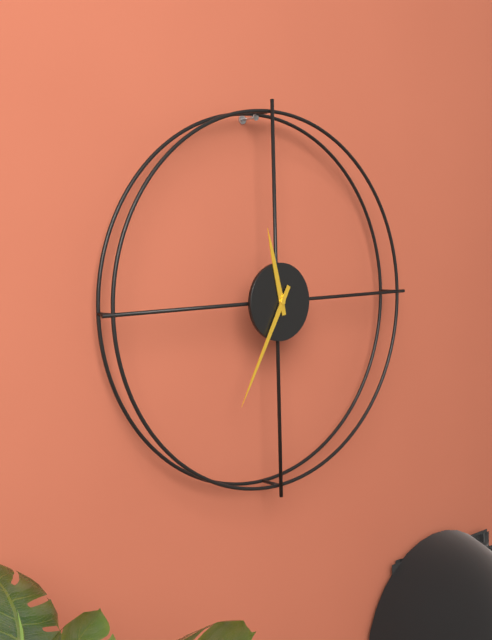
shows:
11,35
